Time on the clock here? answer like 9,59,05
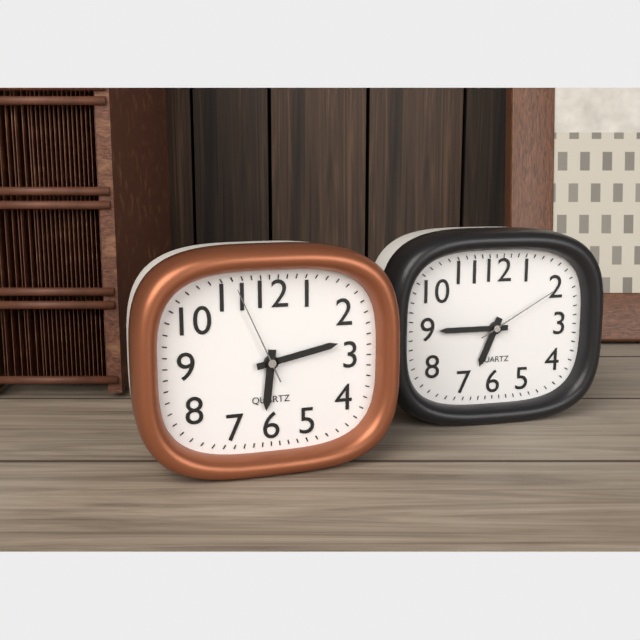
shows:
6,13,56
